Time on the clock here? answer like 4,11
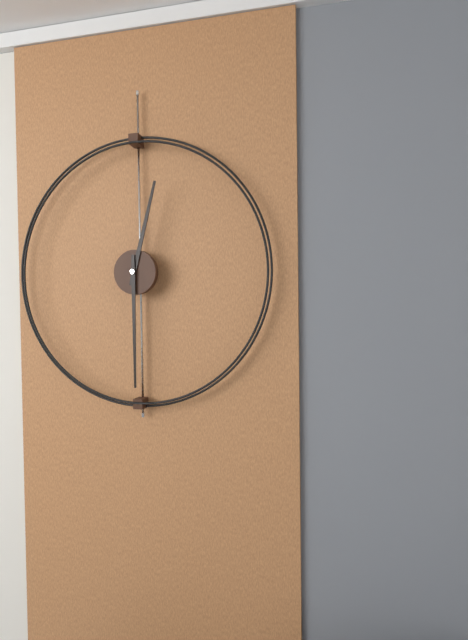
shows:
12,30
